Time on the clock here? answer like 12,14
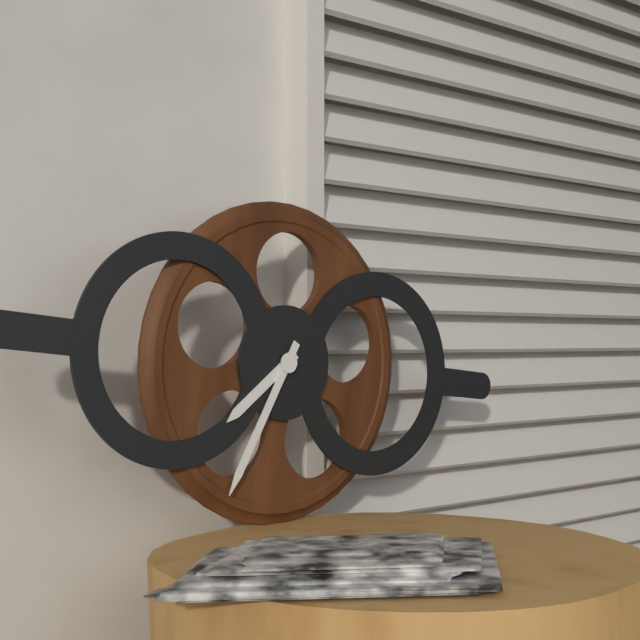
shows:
7,34
